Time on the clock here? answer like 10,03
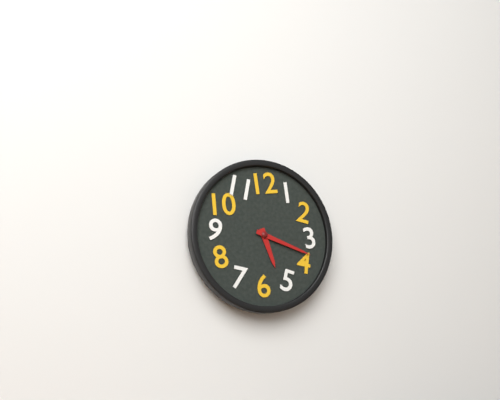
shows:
5,18
